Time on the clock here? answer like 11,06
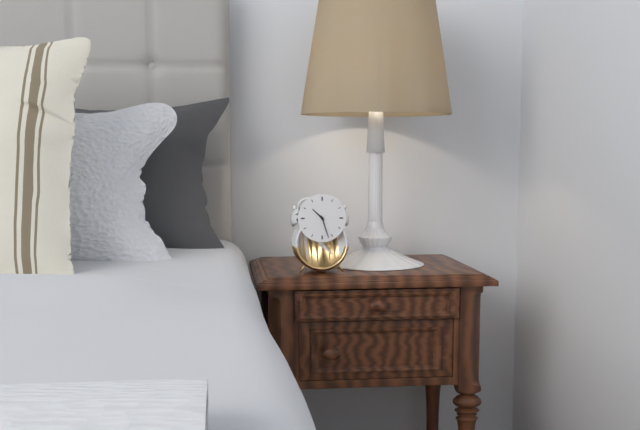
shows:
10,27
